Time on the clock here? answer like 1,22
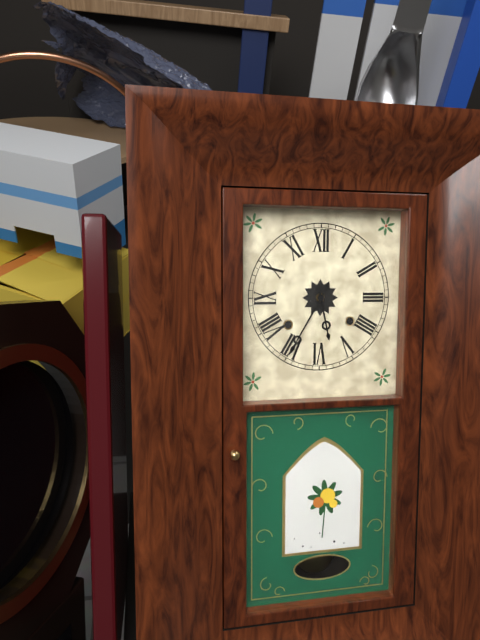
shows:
5,35
